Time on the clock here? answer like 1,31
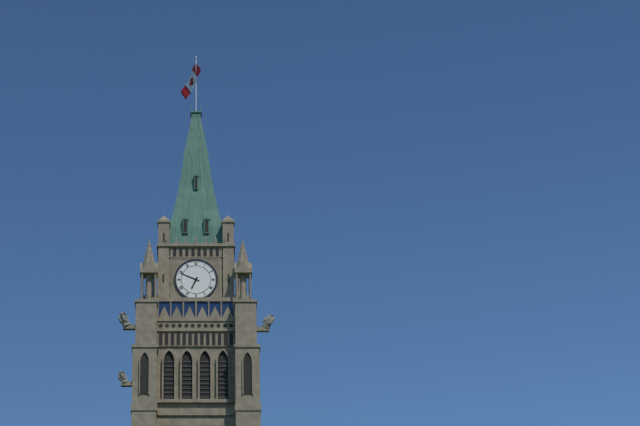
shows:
6,49
